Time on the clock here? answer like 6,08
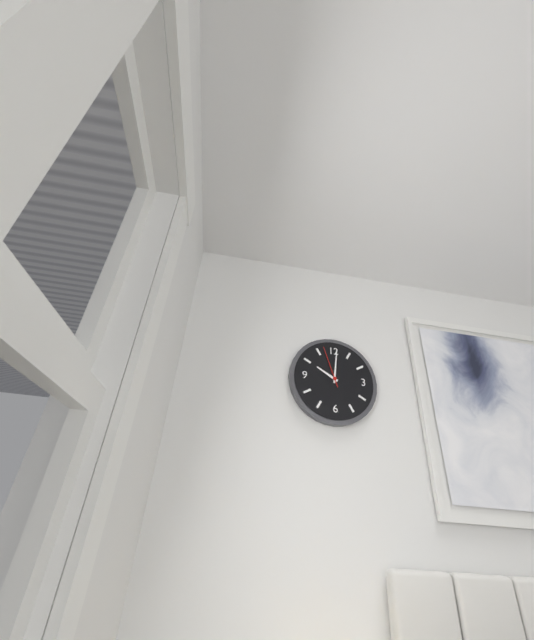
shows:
10,01
